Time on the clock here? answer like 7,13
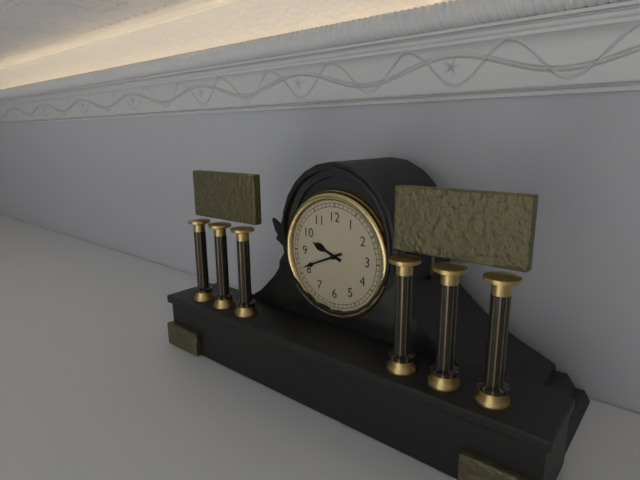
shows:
9,41
